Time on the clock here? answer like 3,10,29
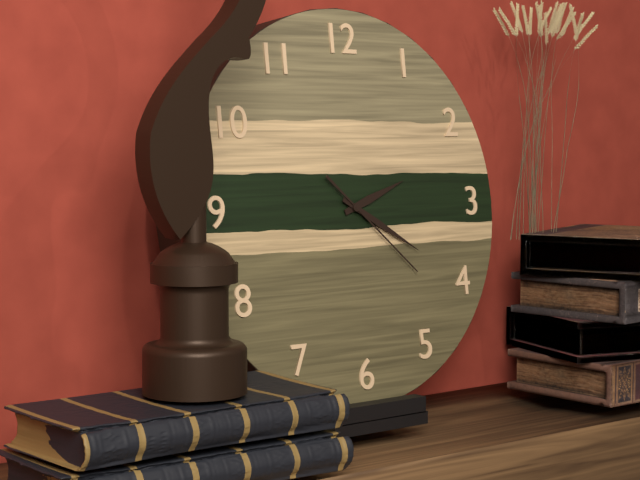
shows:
2,20,22
